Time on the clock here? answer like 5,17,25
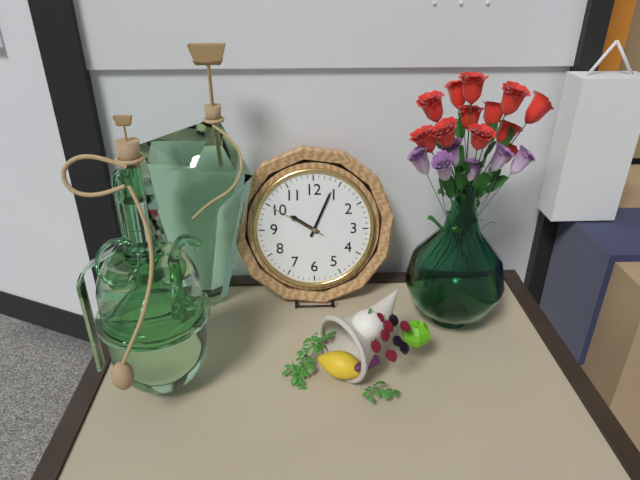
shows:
10,04,50
